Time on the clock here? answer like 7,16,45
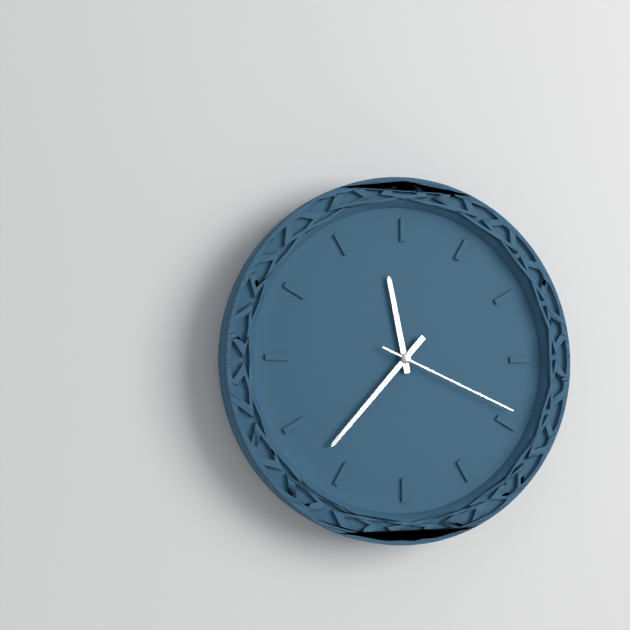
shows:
11,37,19
